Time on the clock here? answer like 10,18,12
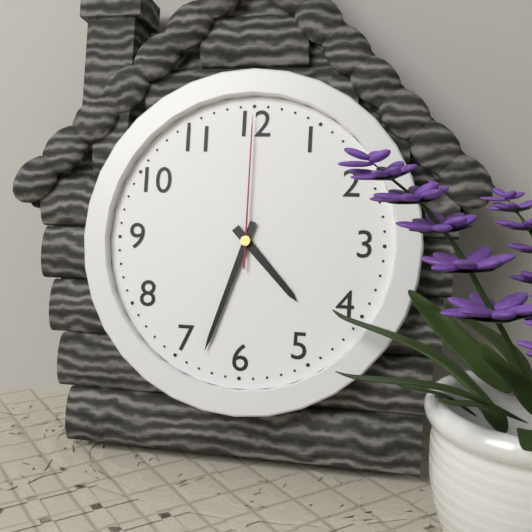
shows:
4,33,00
